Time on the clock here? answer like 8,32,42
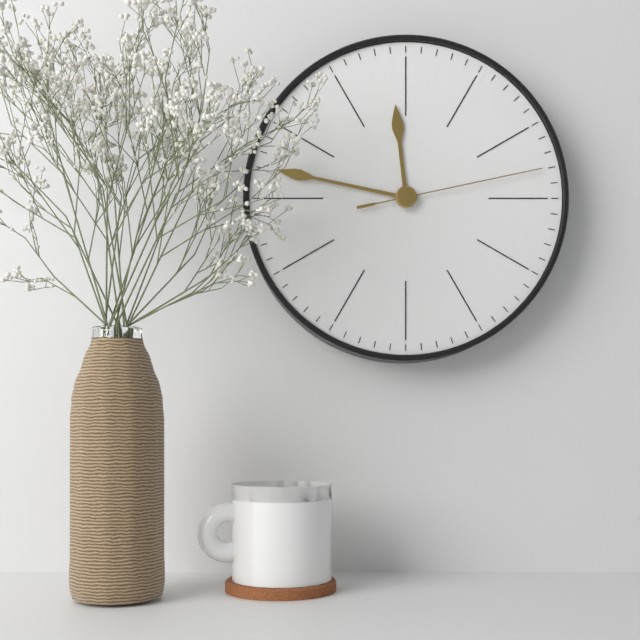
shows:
11,47,13
